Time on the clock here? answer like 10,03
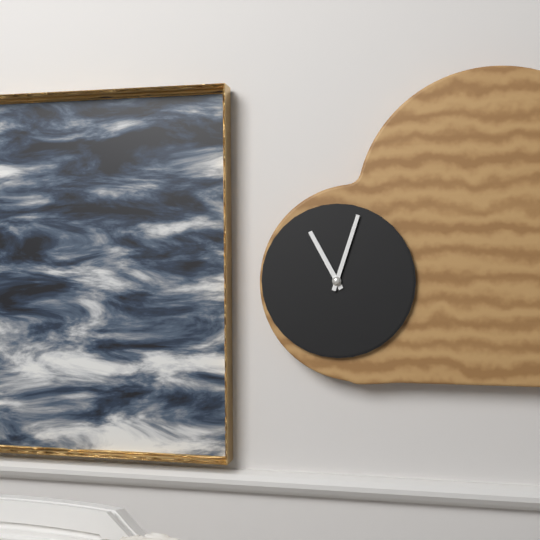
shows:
11,03
